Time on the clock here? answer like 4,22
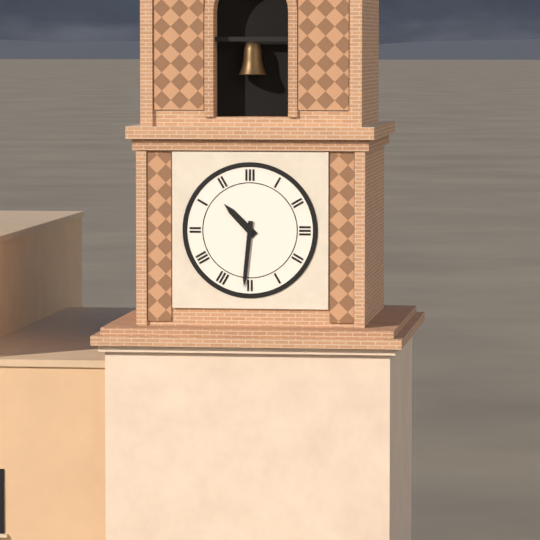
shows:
10,31
